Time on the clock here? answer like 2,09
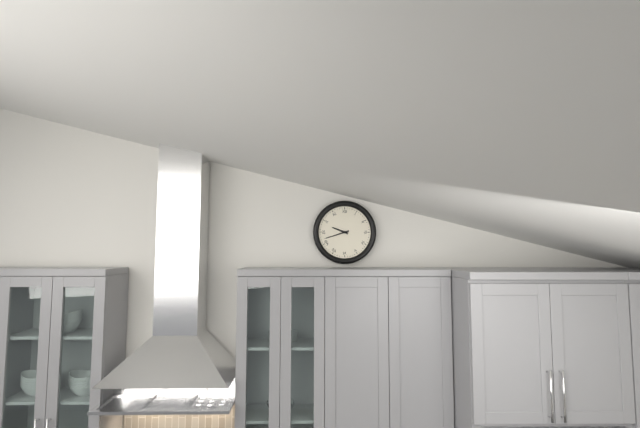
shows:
9,42
